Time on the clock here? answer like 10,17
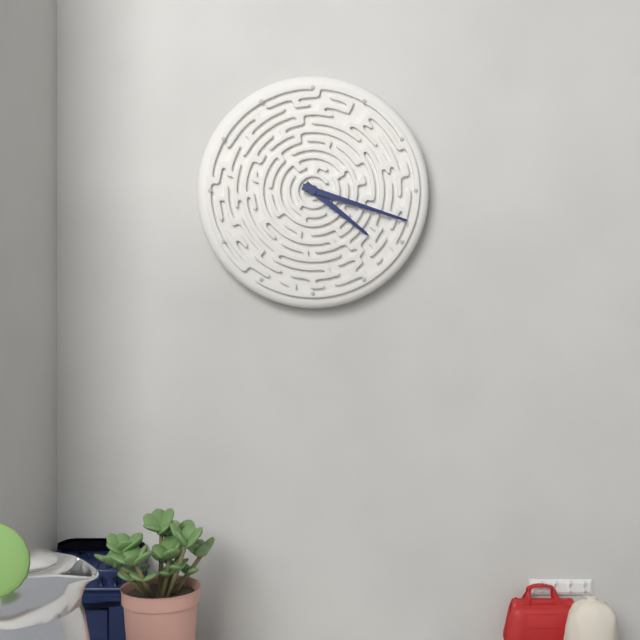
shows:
4,18
